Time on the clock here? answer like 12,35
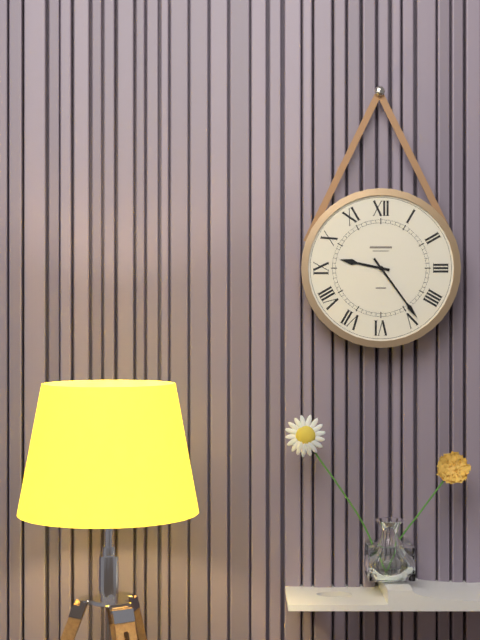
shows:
9,24
